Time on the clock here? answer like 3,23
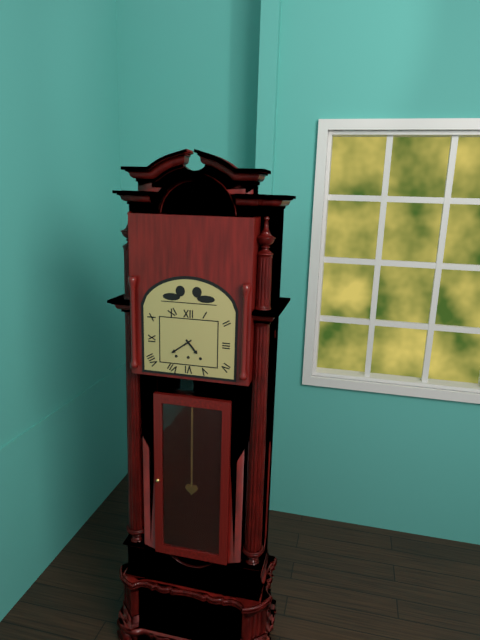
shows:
4,39
